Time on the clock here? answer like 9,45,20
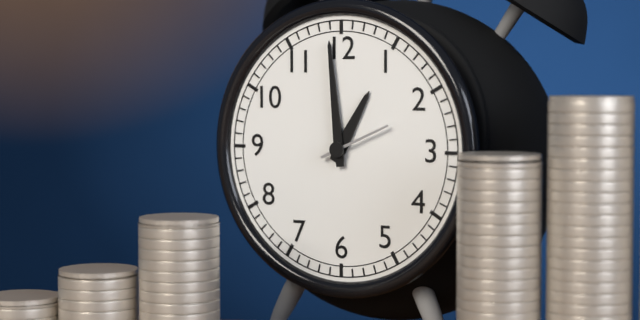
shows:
12,59,11
